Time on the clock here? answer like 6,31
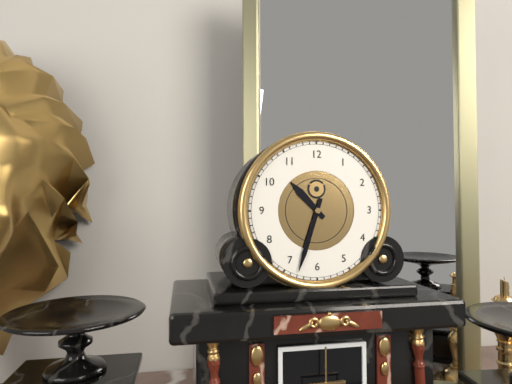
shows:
10,33
